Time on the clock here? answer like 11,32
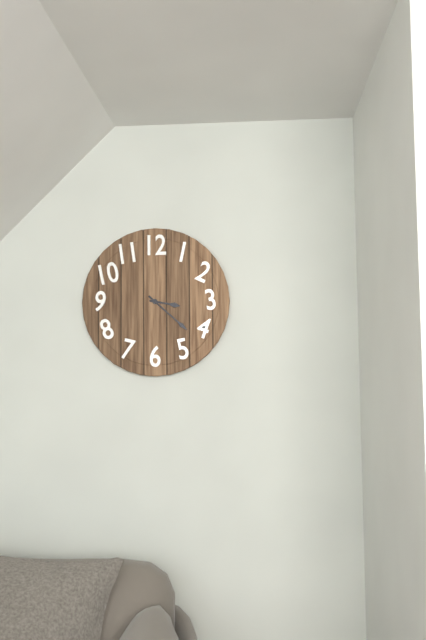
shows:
3,22
